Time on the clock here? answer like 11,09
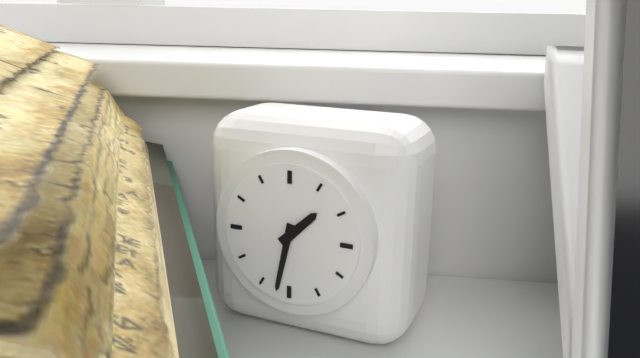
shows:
1,32
